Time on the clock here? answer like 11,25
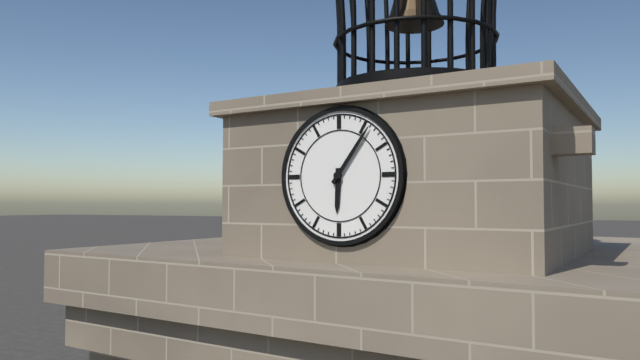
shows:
6,06
